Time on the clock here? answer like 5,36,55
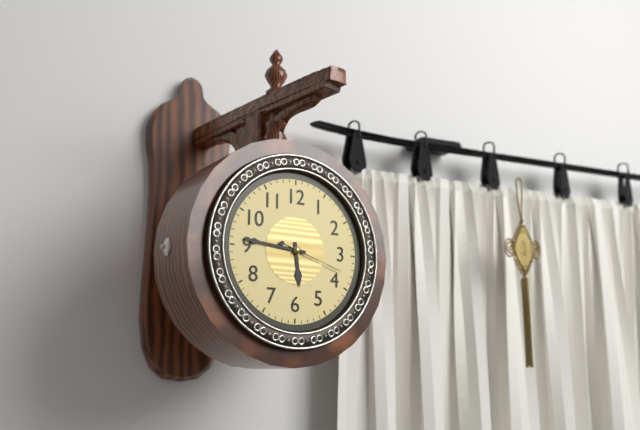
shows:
5,46,18
